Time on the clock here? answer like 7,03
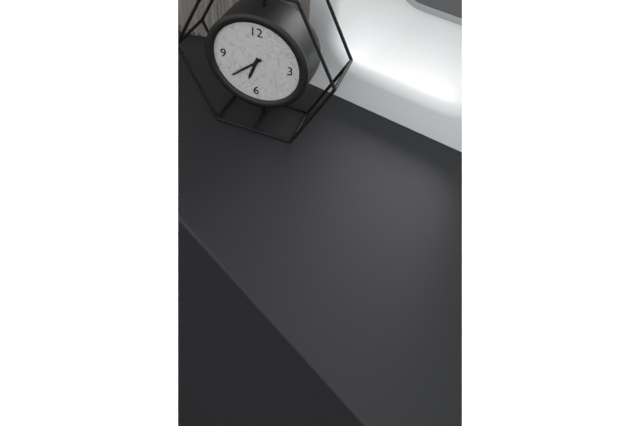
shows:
6,38
